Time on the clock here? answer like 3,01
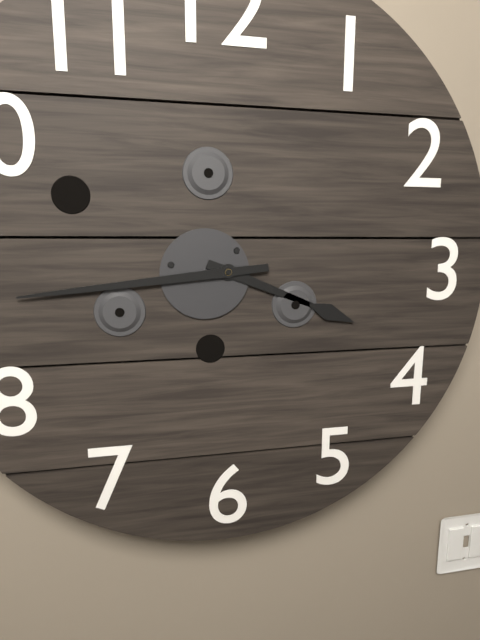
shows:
3,44
